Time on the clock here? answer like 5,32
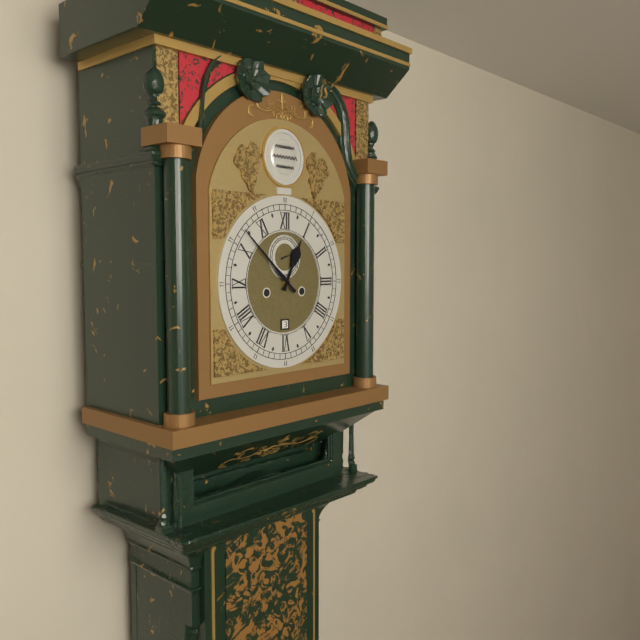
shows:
12,52
